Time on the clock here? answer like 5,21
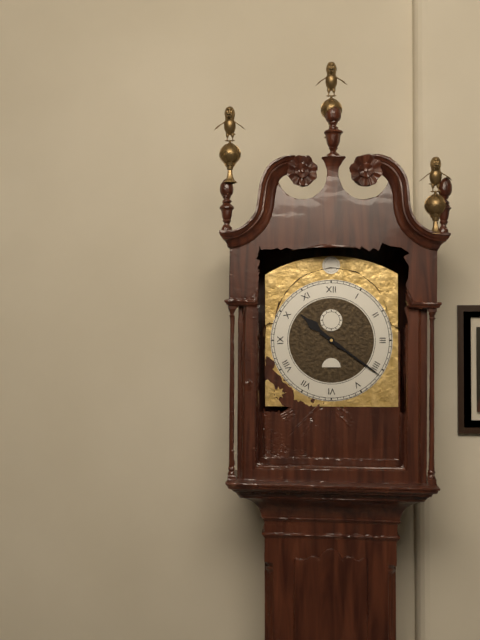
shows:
10,21
